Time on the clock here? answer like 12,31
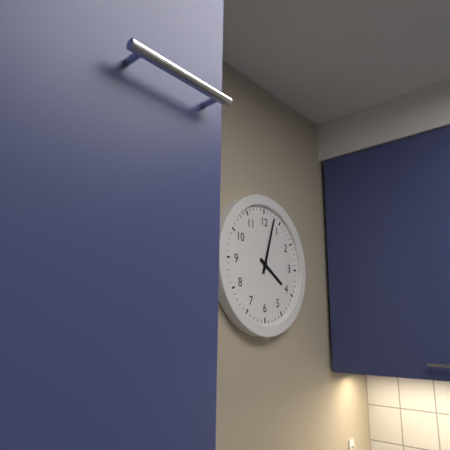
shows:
4,03
